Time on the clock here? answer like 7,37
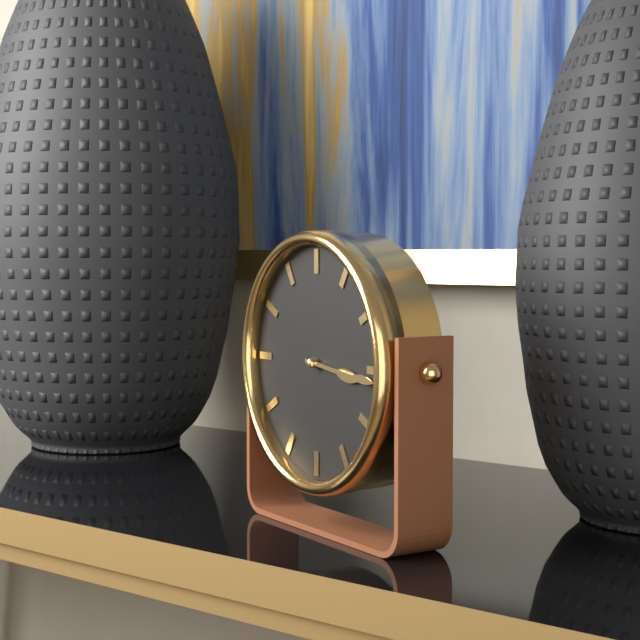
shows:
3,16
